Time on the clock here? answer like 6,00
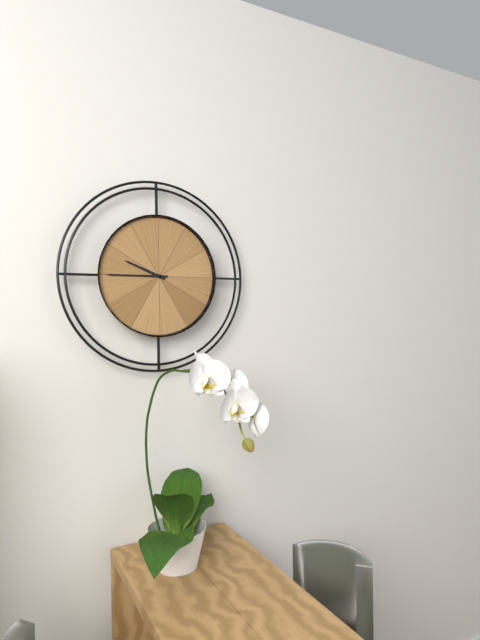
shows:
9,45
